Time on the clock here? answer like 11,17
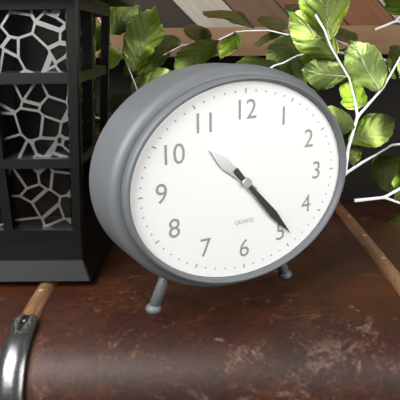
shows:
10,23
